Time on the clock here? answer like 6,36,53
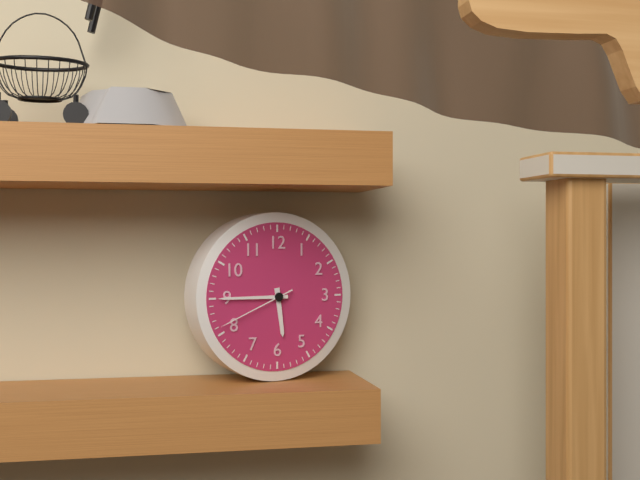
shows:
5,45,41
